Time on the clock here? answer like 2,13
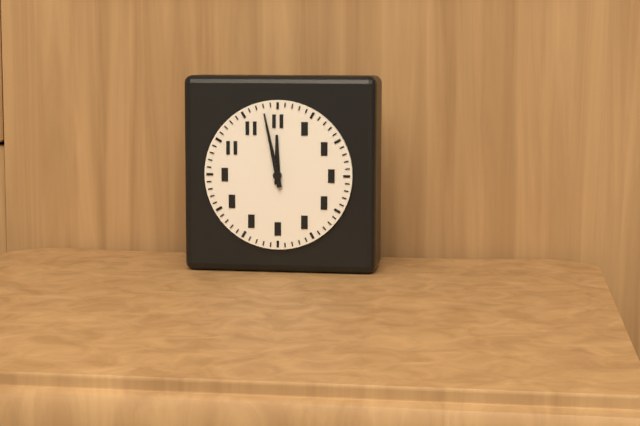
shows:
11,58
